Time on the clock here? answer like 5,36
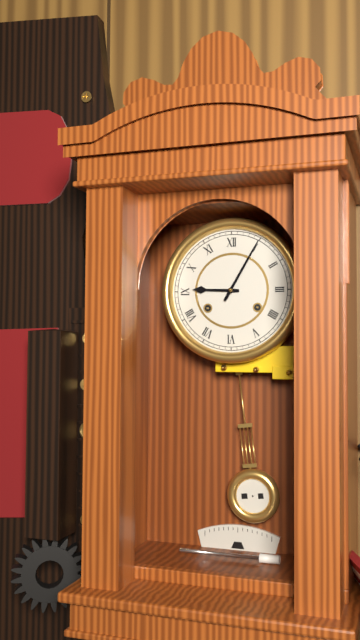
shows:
9,05
